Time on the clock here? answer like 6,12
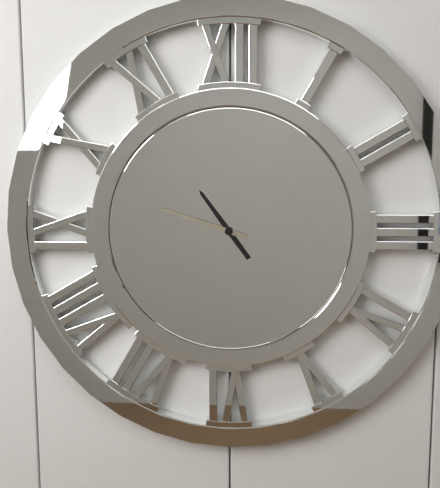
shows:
10,48
